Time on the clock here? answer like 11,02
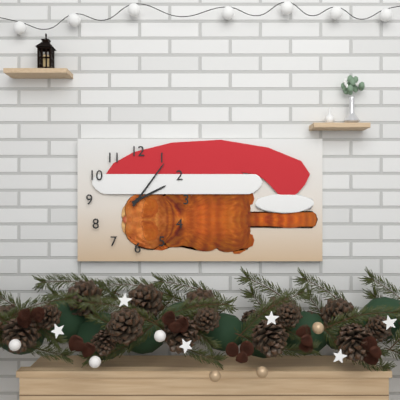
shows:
2,06
